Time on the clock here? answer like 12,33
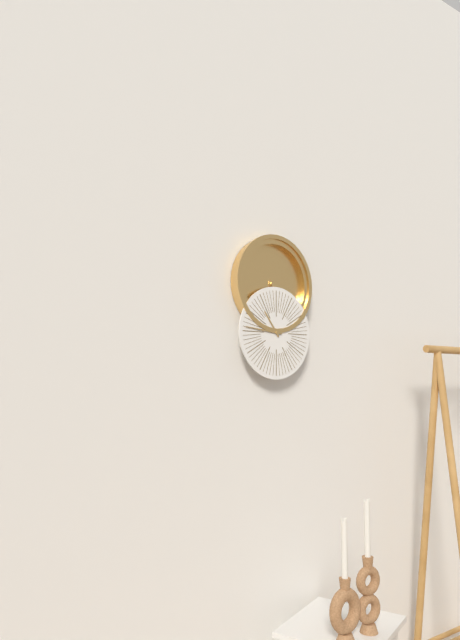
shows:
10,46
